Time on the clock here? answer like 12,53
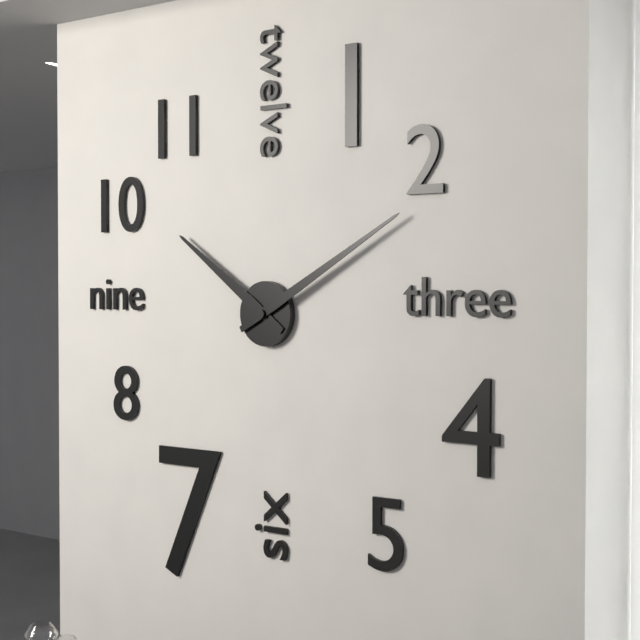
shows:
10,10
